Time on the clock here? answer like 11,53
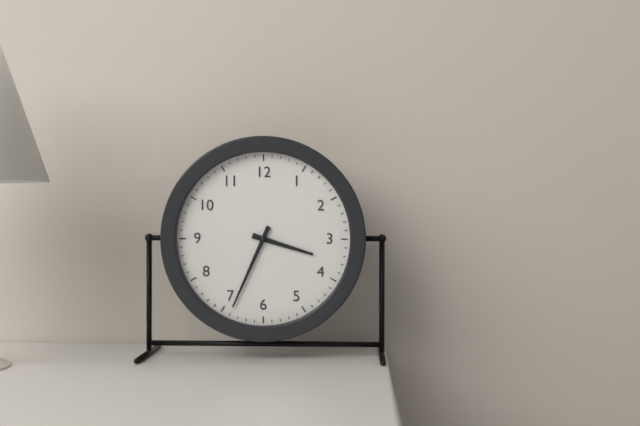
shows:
3,34
